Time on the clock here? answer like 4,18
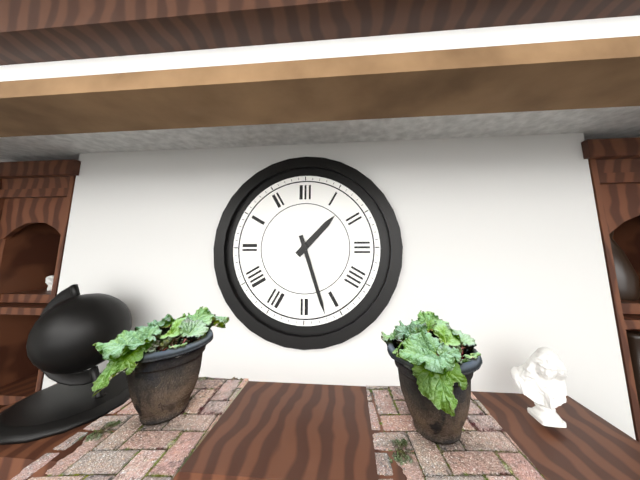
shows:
1,27
